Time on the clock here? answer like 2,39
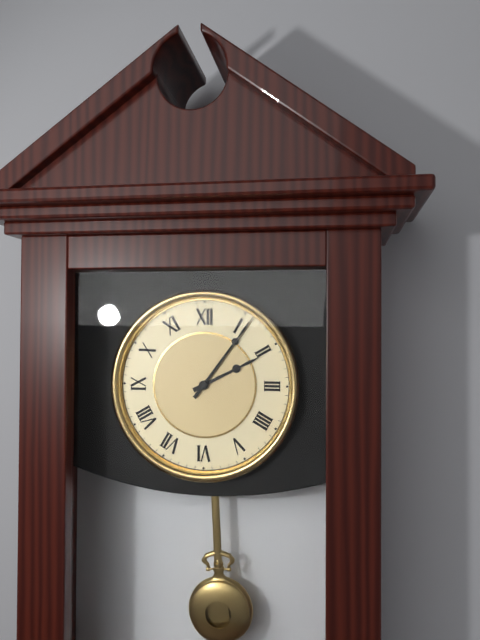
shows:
2,06
